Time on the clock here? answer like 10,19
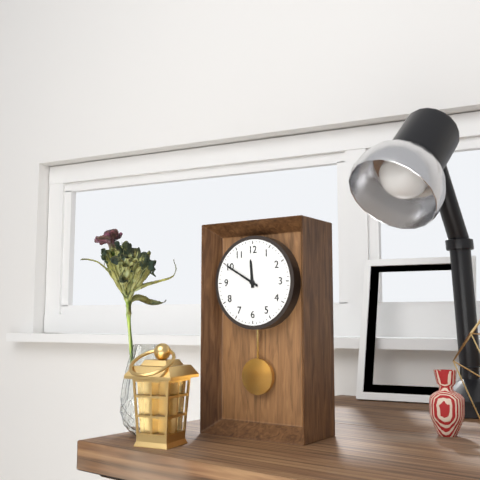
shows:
11,50
